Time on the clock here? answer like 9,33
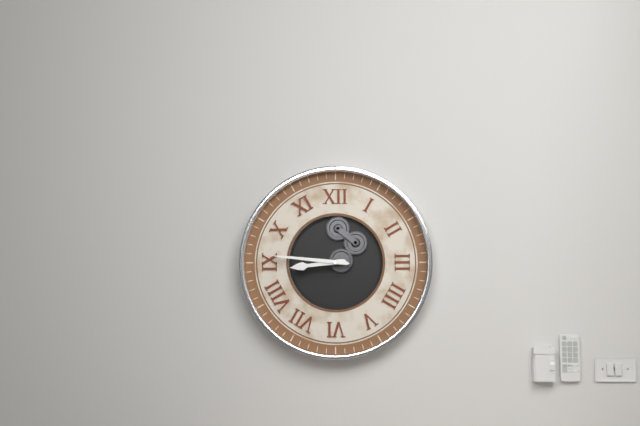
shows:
8,46
